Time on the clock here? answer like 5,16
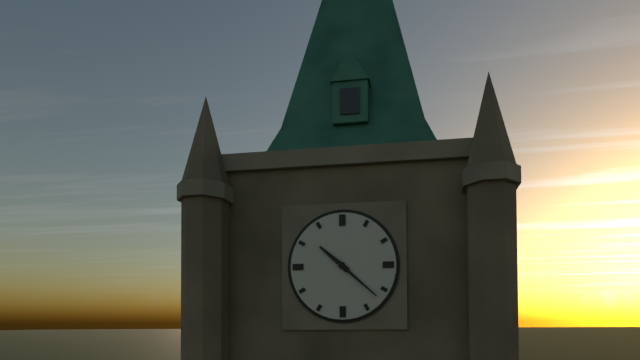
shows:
10,22
